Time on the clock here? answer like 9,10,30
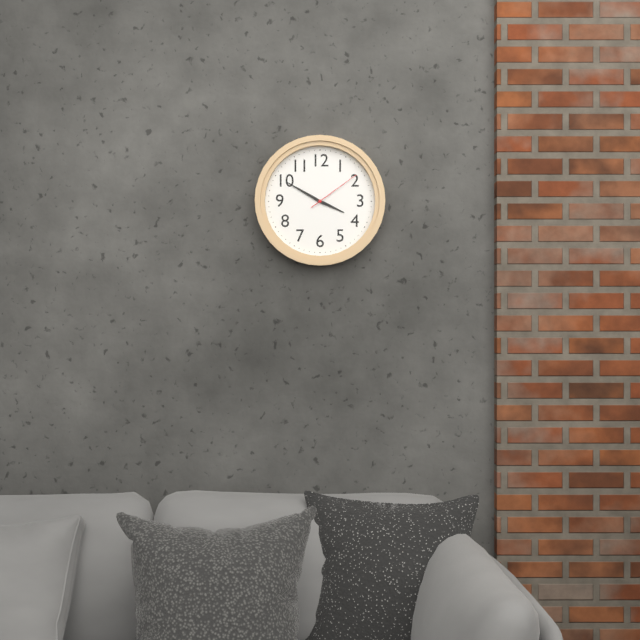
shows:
3,50,09
